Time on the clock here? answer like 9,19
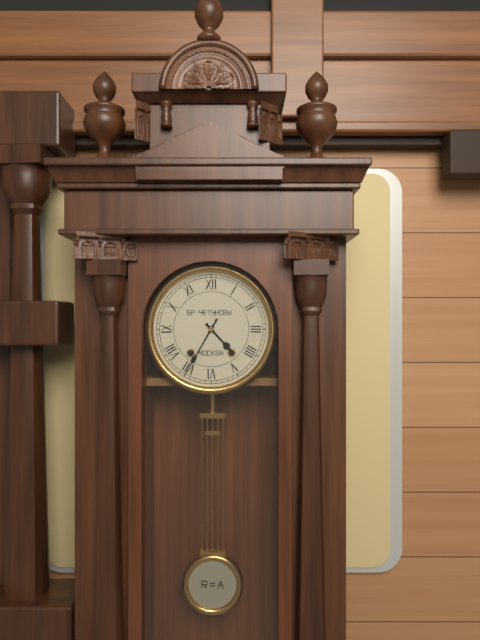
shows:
4,35
